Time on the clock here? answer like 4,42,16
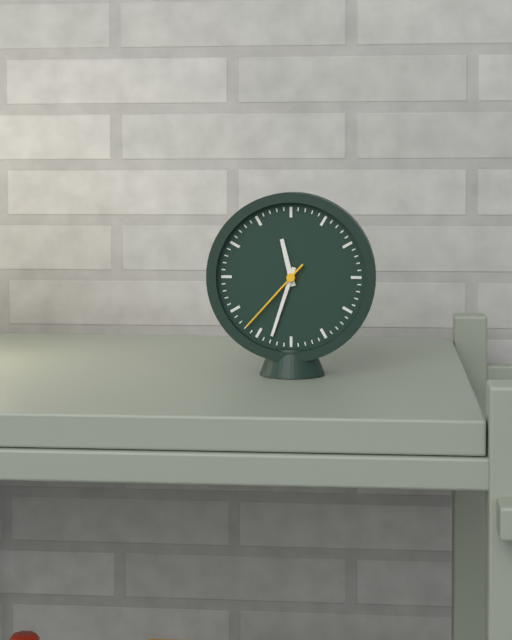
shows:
11,33,37
